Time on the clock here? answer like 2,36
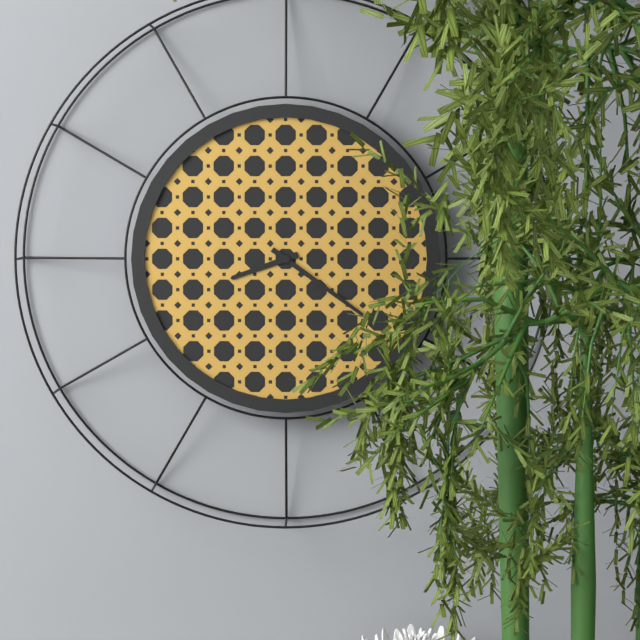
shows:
8,21
